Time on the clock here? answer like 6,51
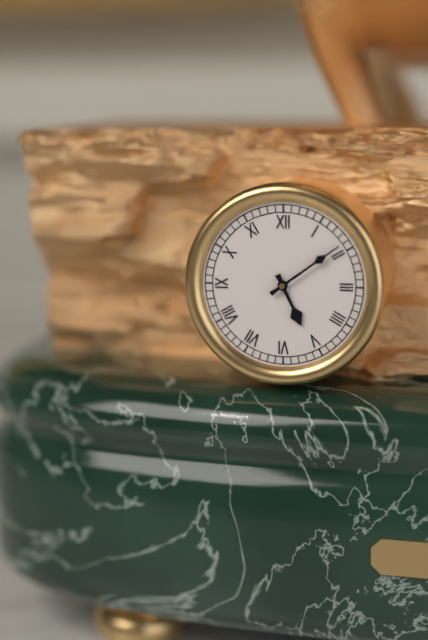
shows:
5,09
